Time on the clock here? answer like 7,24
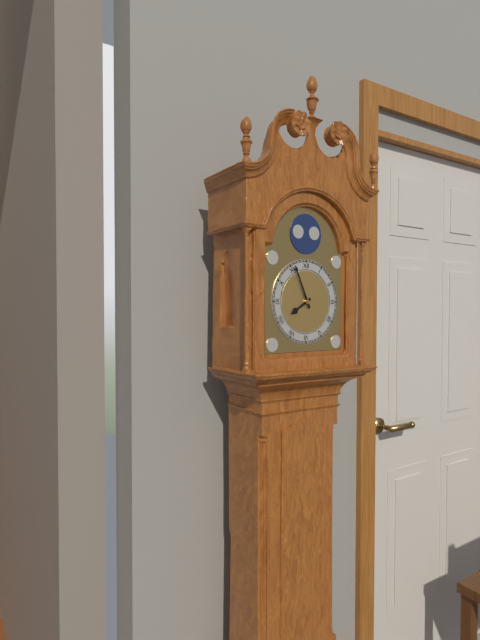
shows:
7,56
